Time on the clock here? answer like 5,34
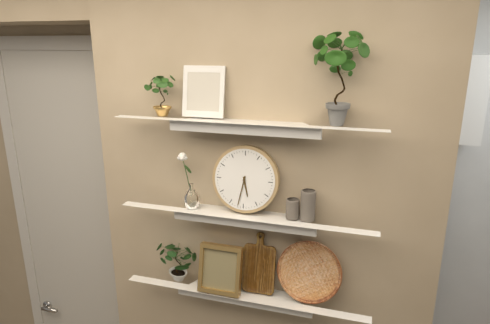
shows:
5,32
